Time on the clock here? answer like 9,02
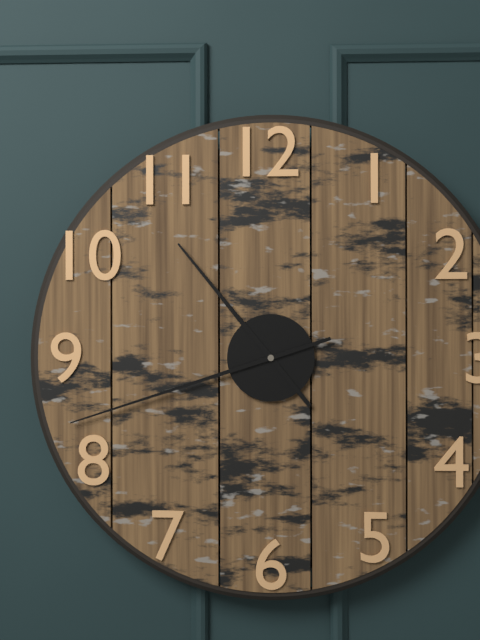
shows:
10,42
